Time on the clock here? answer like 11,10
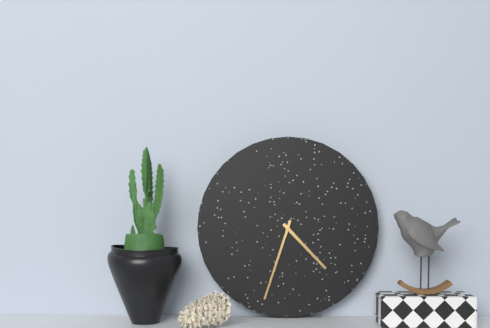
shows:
4,33
